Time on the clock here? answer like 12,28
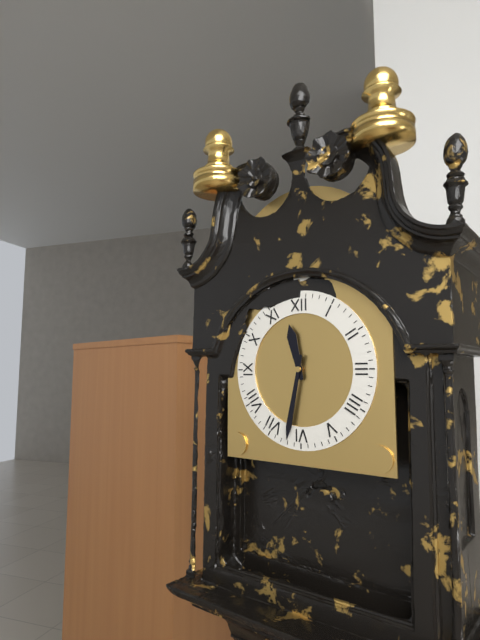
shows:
11,32
